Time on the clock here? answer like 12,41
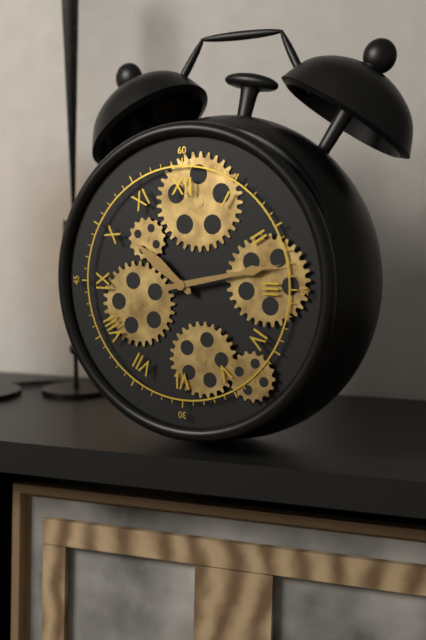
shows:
10,13
